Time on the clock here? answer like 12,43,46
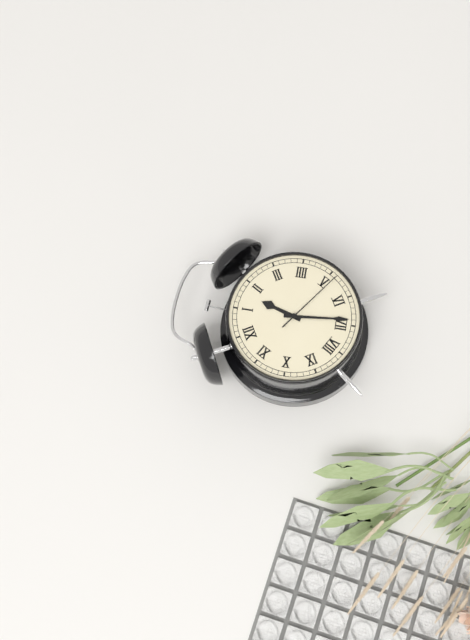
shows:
1,34,26
